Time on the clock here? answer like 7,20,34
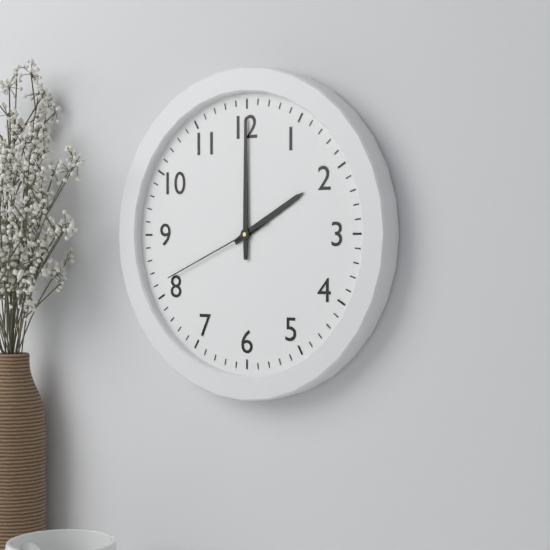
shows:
2,00,41
